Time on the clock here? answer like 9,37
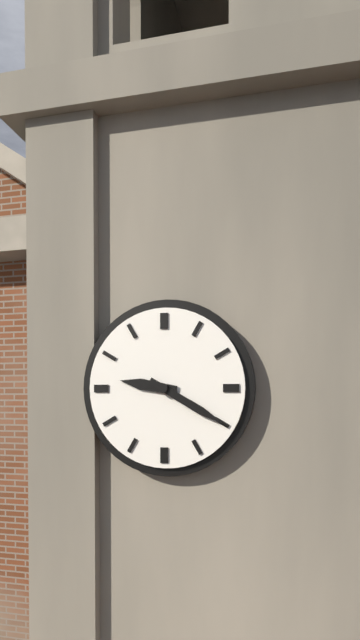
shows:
9,20
